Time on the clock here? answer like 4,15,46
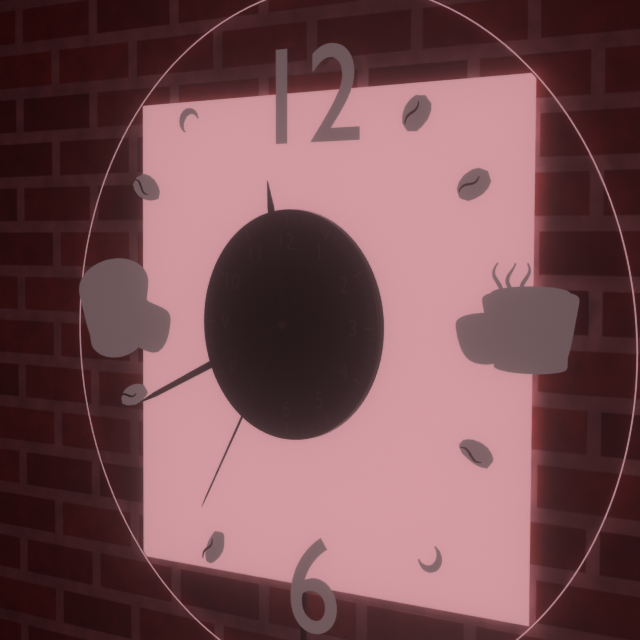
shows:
11,41,35
